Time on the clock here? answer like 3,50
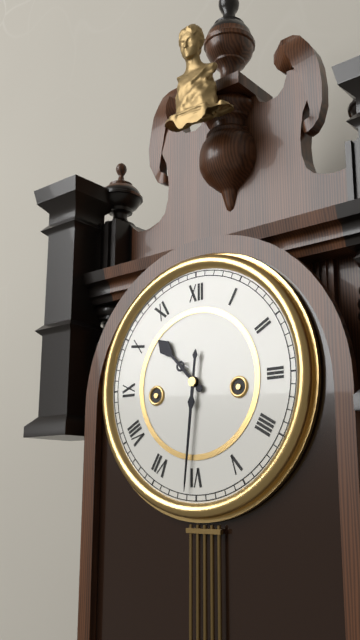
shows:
10,31
